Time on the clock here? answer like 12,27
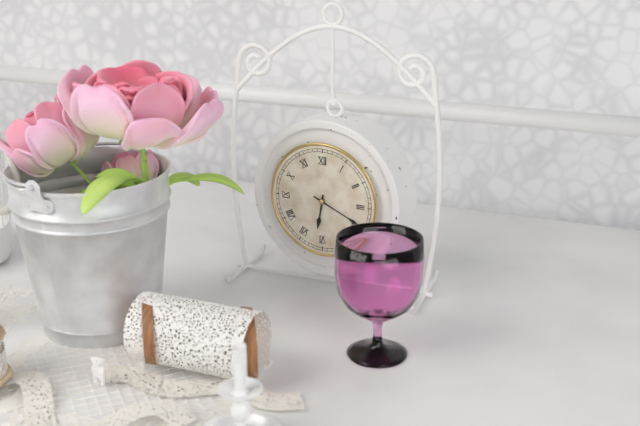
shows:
6,19
